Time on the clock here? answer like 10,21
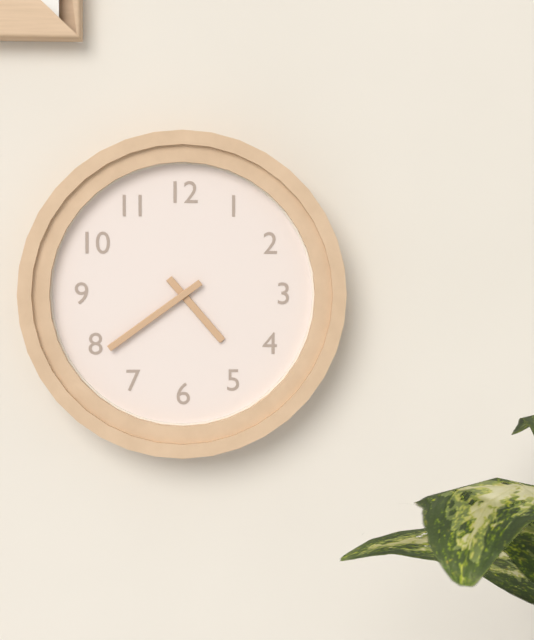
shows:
4,39
